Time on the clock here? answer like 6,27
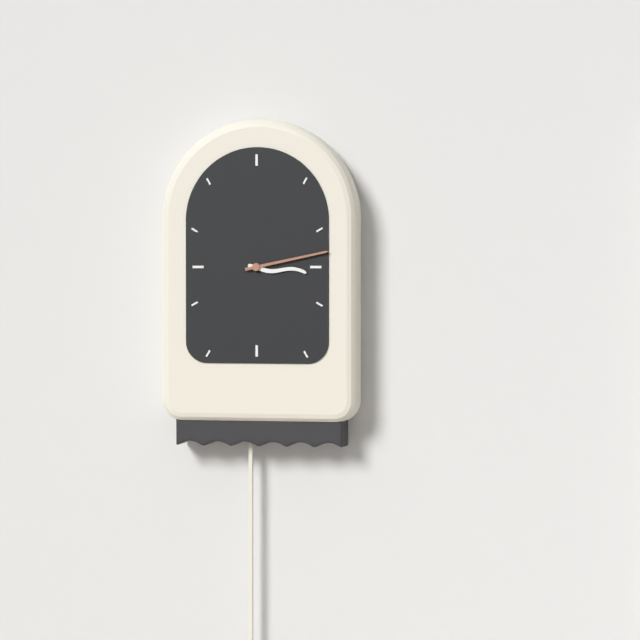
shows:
3,13
